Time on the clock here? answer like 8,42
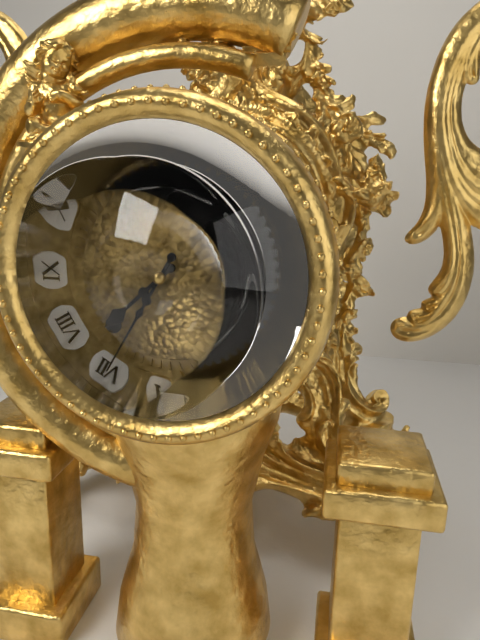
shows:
7,35
